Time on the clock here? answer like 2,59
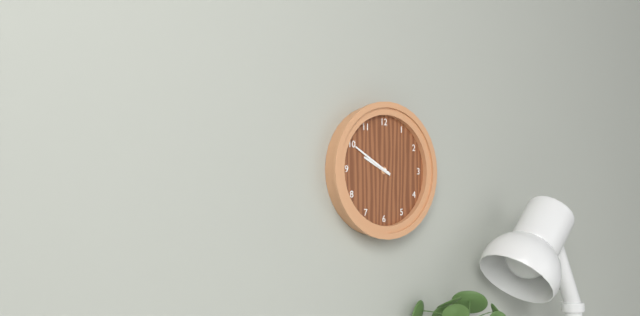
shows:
9,50
